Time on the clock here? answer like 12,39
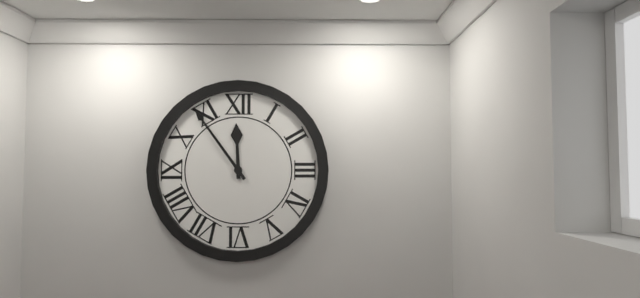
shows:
11,54
